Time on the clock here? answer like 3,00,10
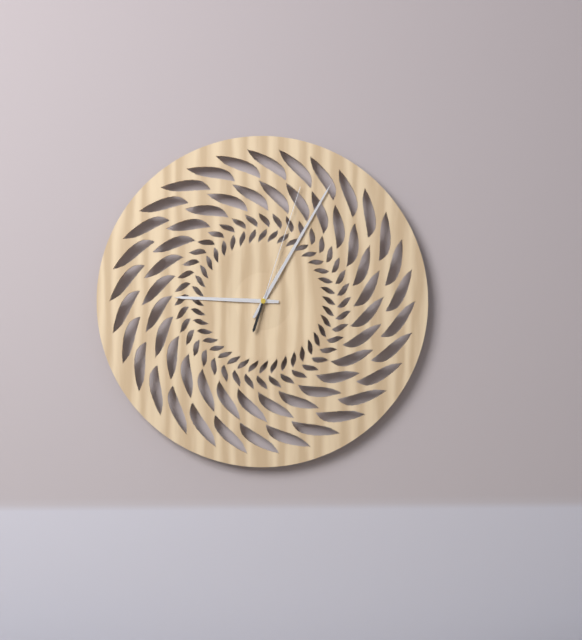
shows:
9,05,03
